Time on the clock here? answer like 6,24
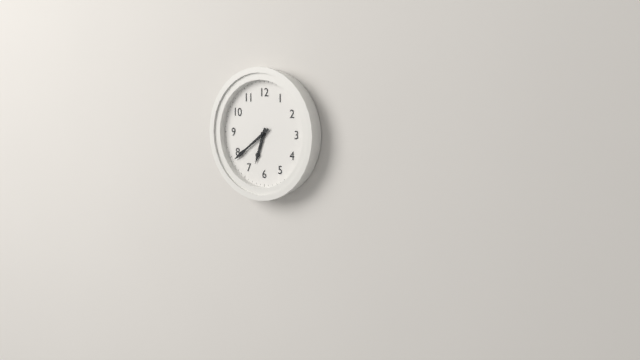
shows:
6,39
